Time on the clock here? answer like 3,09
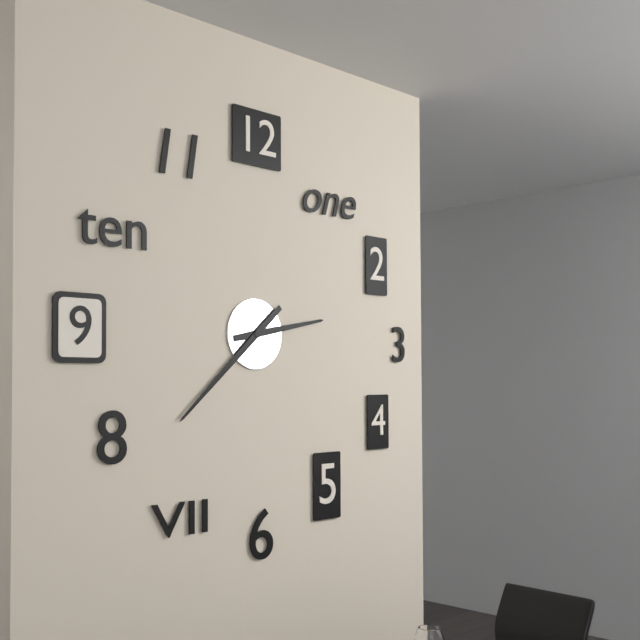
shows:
2,38
